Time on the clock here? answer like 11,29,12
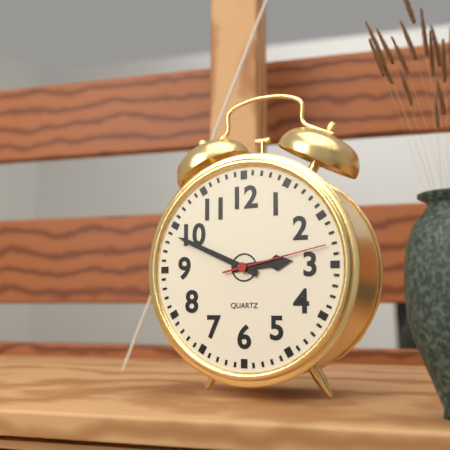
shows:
2,49,13
